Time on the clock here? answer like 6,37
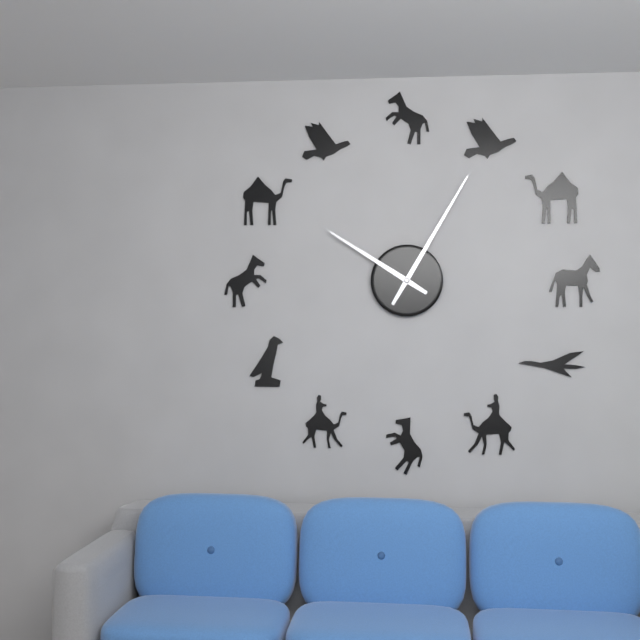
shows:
10,05
